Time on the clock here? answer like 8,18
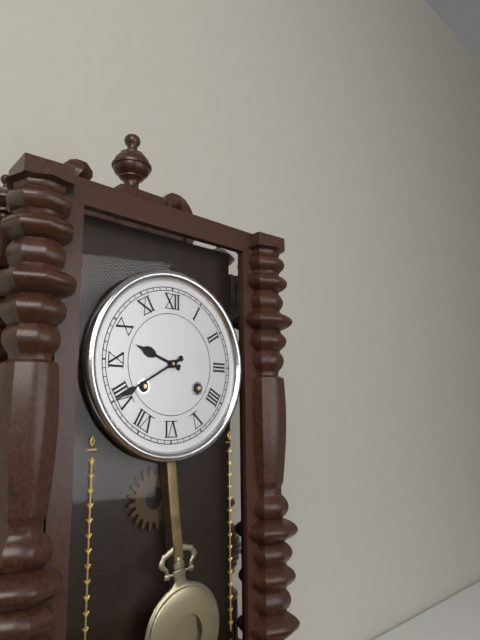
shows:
9,40
